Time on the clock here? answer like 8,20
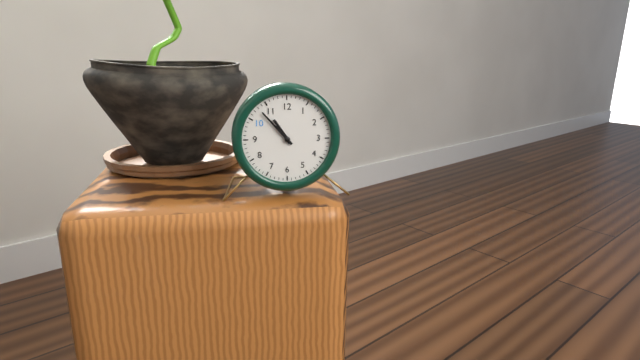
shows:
10,53
